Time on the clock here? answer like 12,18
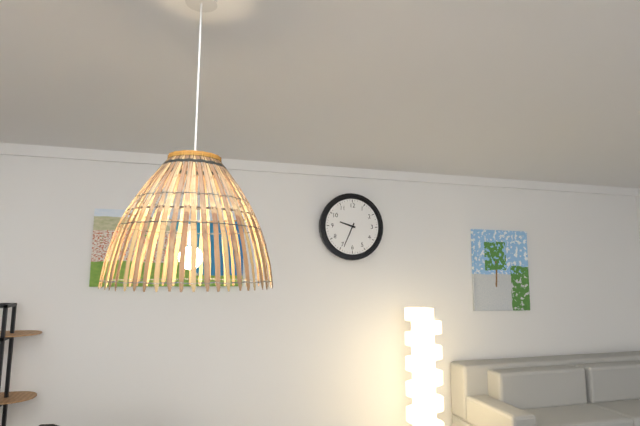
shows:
9,34
